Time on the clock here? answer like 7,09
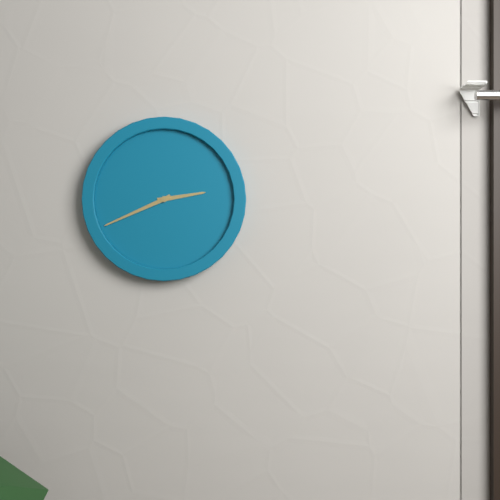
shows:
2,41
